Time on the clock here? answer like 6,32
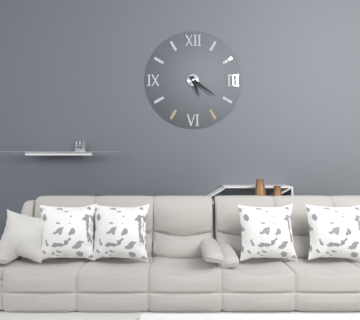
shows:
5,21
